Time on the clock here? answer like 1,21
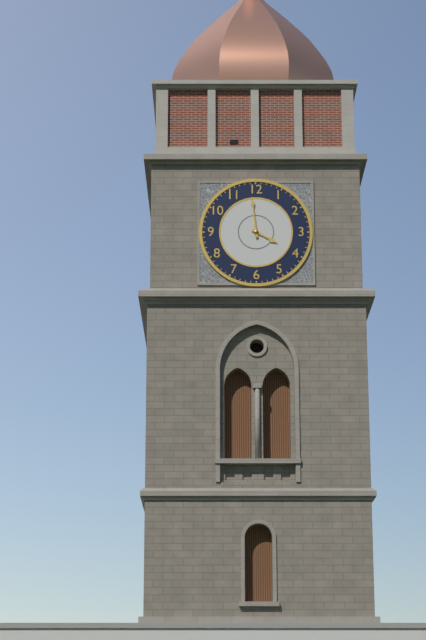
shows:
3,59
